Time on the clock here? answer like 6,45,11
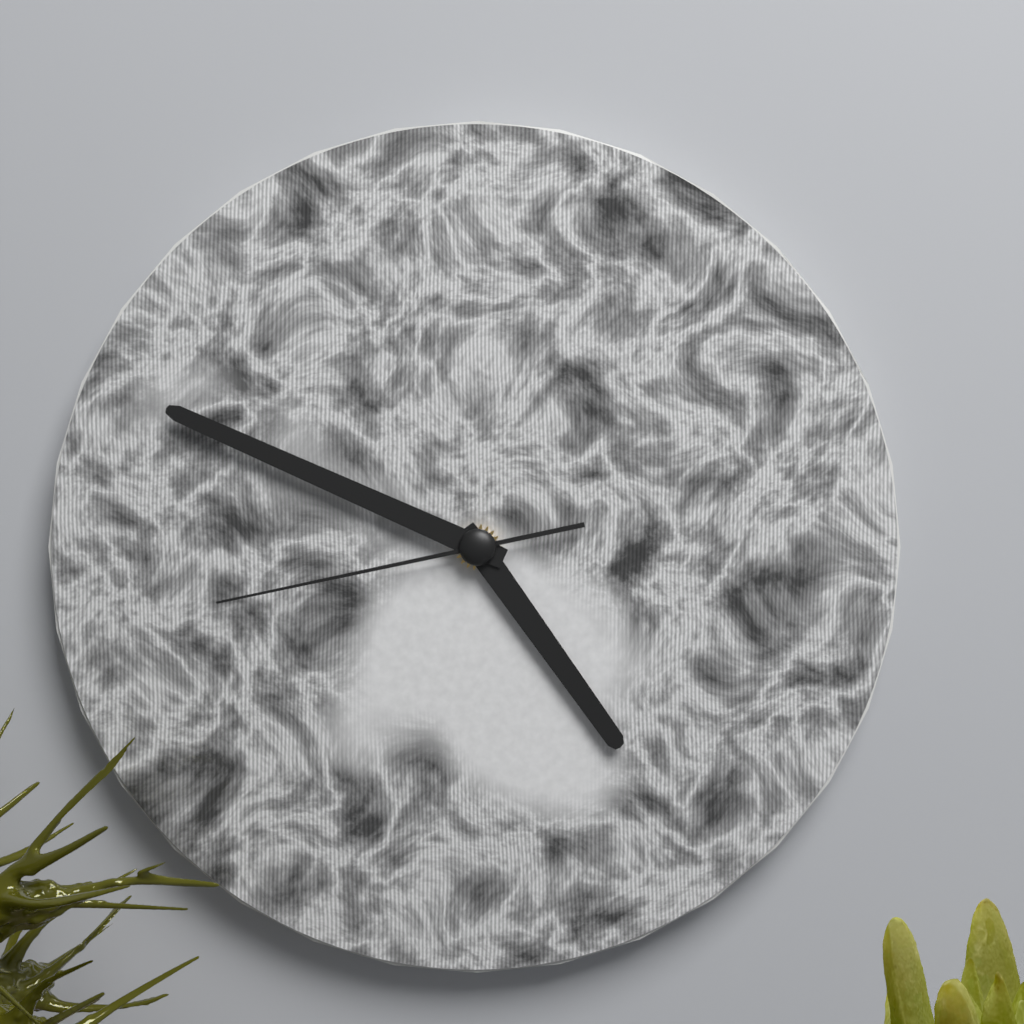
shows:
4,49,43
